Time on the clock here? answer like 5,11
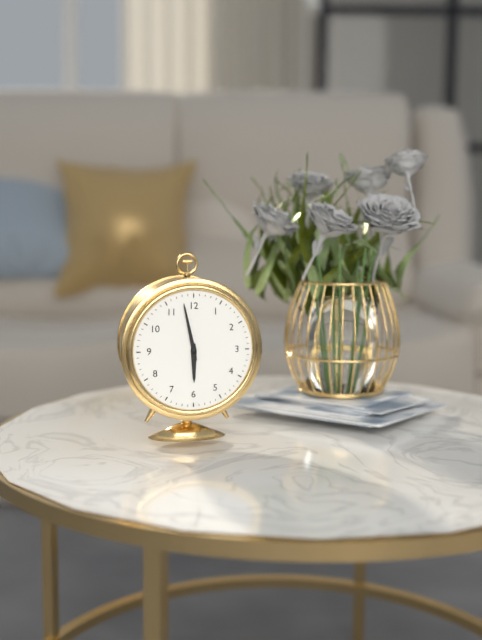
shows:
5,58
